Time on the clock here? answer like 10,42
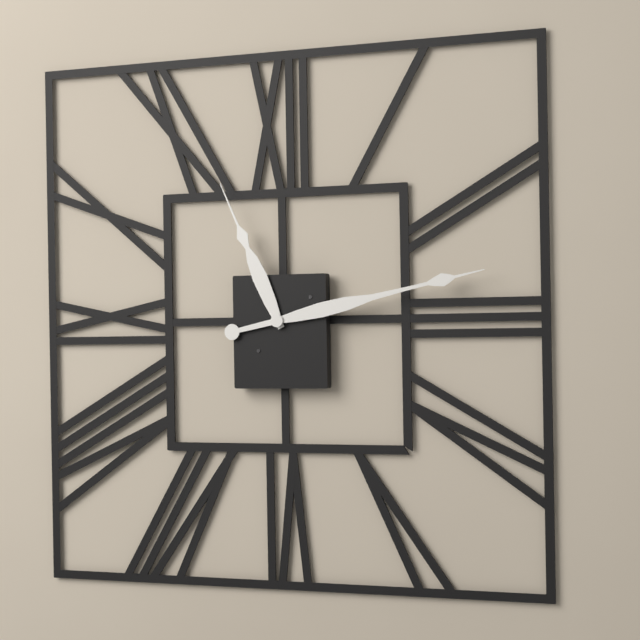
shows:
11,13
